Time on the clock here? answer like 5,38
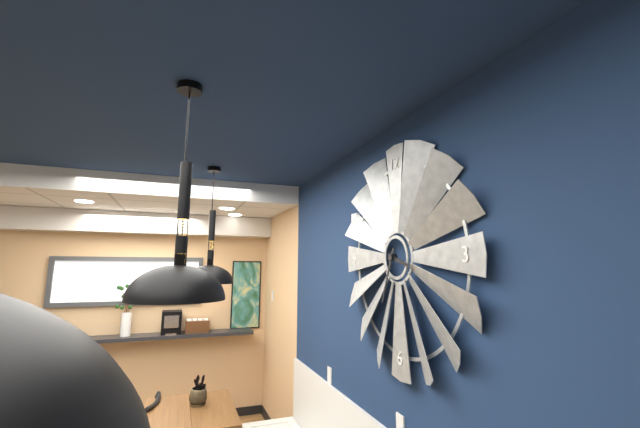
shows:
3,34
